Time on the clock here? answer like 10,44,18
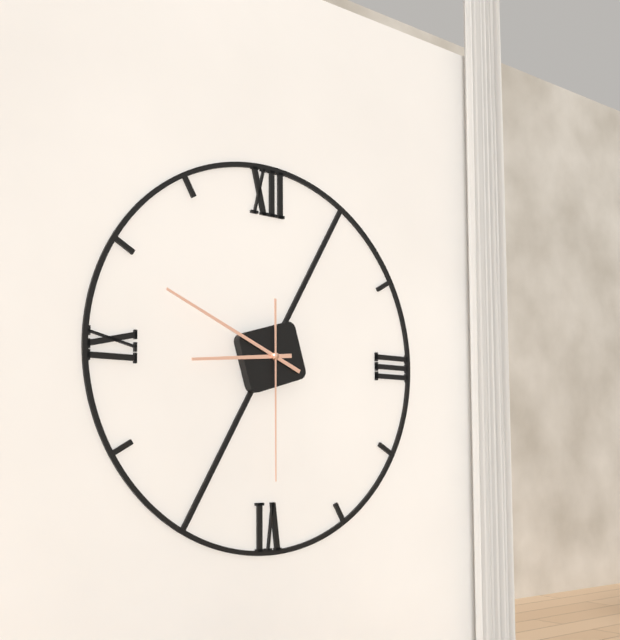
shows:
8,49,30
